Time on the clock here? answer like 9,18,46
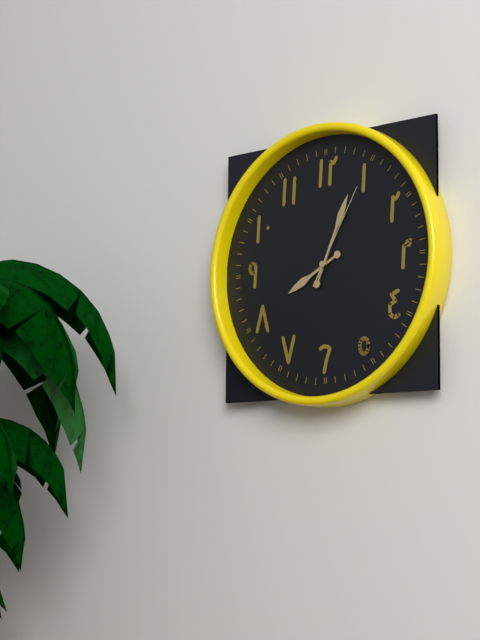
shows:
8,04,05
